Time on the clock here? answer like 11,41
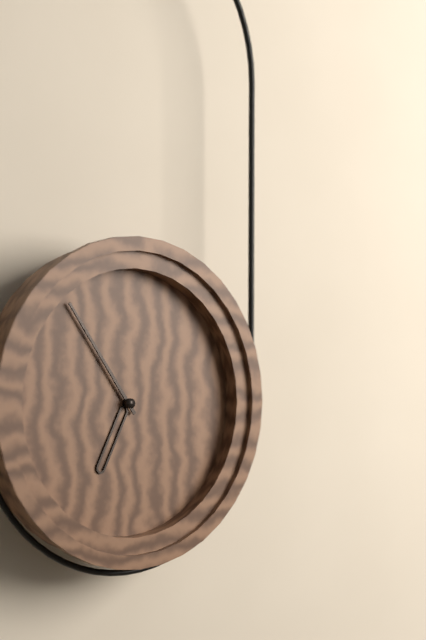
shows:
6,54
